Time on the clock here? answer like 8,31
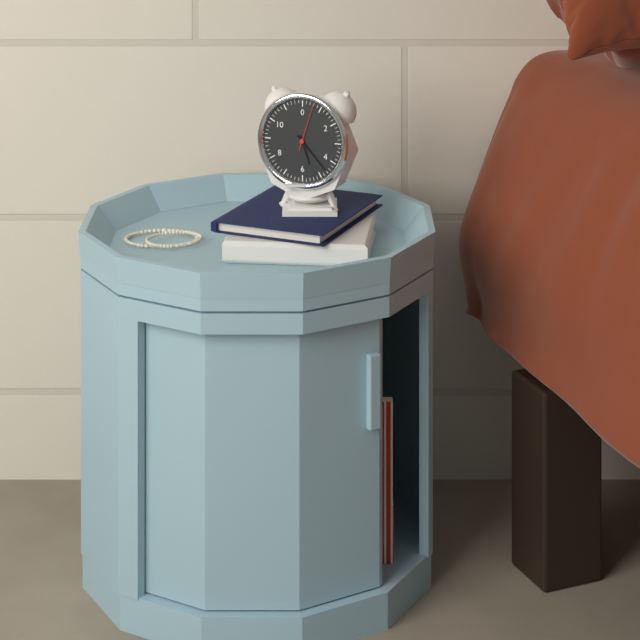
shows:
5,23
